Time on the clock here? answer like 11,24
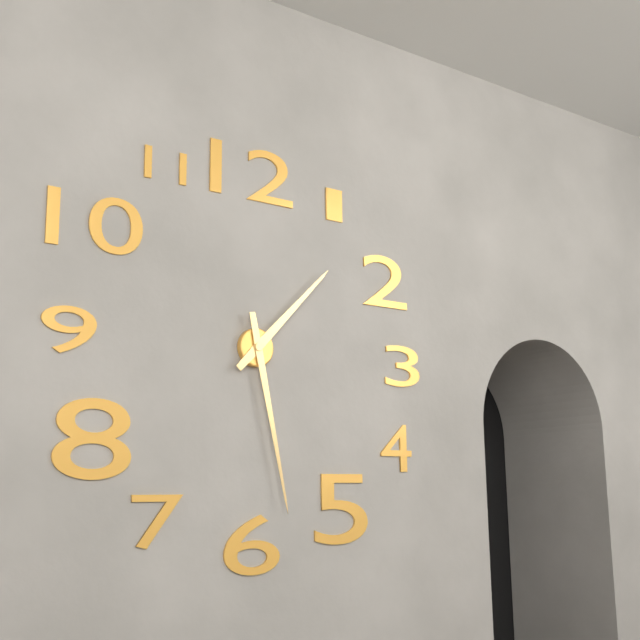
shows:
1,28
